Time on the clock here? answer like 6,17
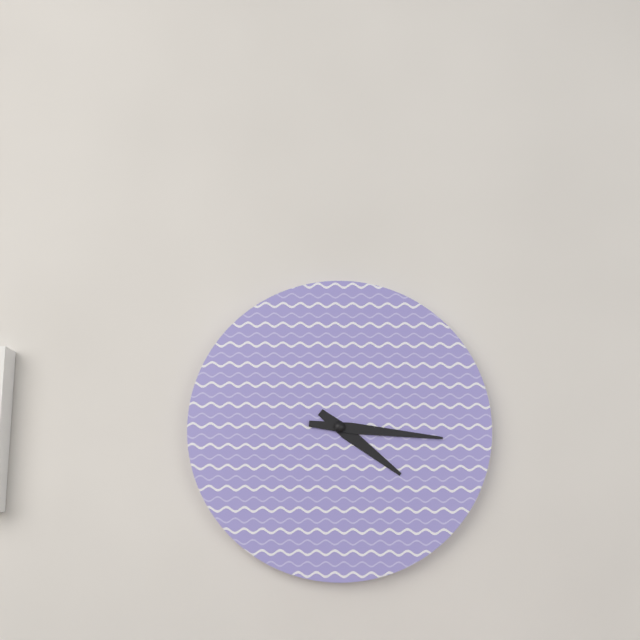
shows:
4,16
